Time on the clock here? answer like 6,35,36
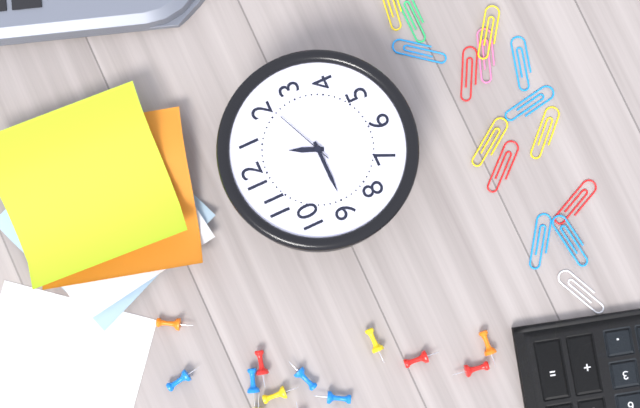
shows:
12,45,11
